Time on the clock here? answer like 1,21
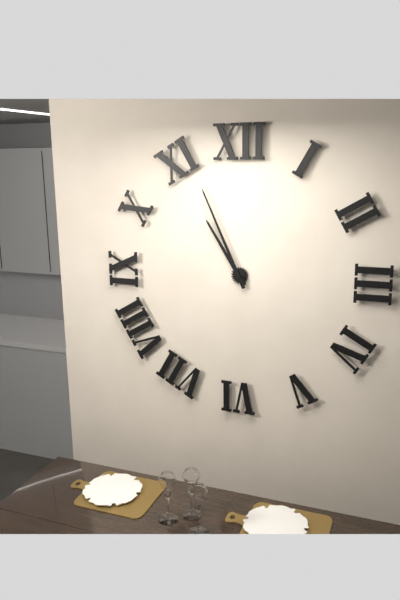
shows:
10,56
